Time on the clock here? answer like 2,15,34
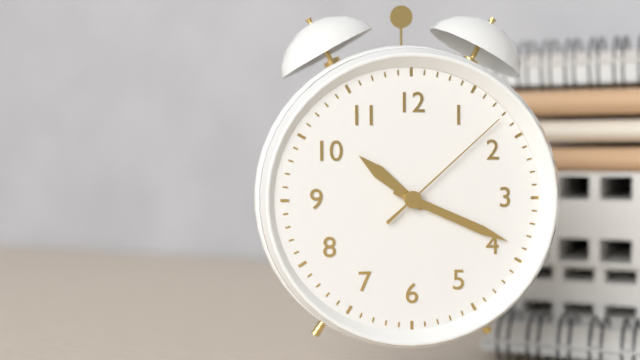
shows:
10,19,08
